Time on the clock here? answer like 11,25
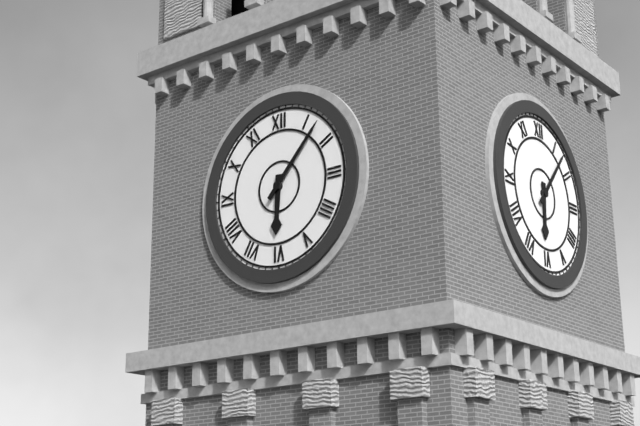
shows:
6,07
